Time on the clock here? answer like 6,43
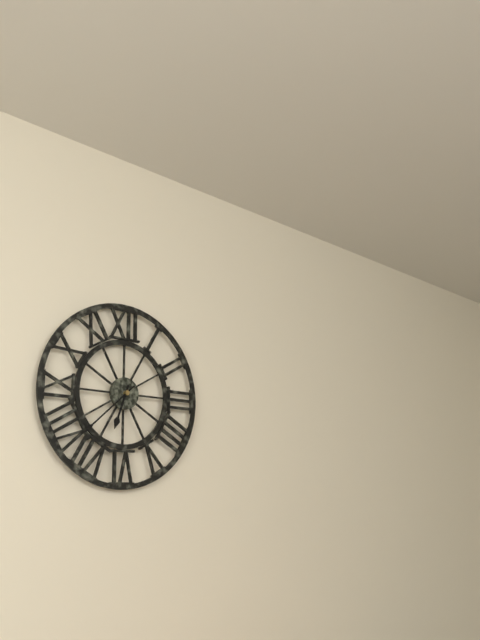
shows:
6,38
